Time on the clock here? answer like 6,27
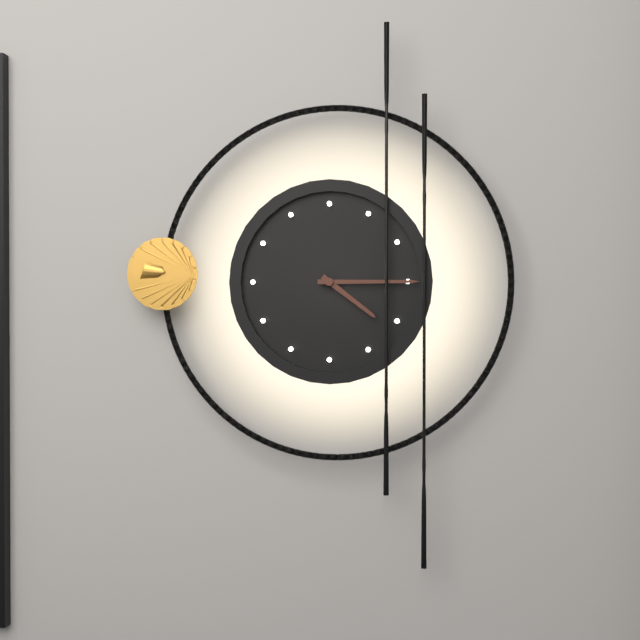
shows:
4,15
